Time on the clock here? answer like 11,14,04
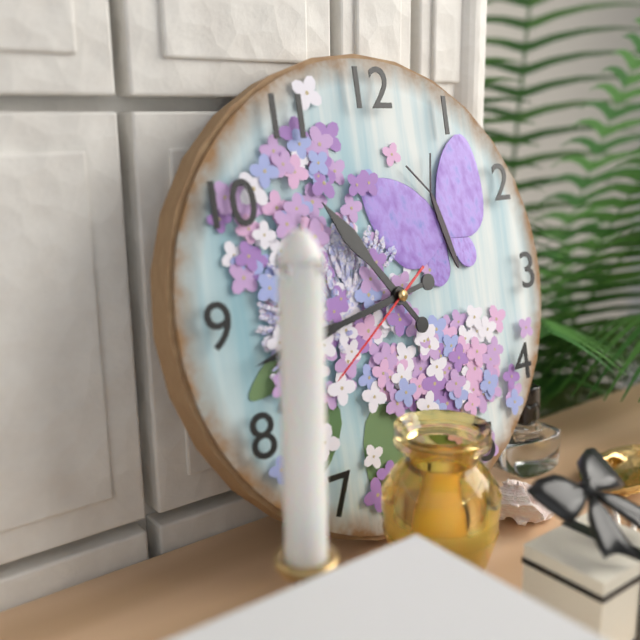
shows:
10,43,39
